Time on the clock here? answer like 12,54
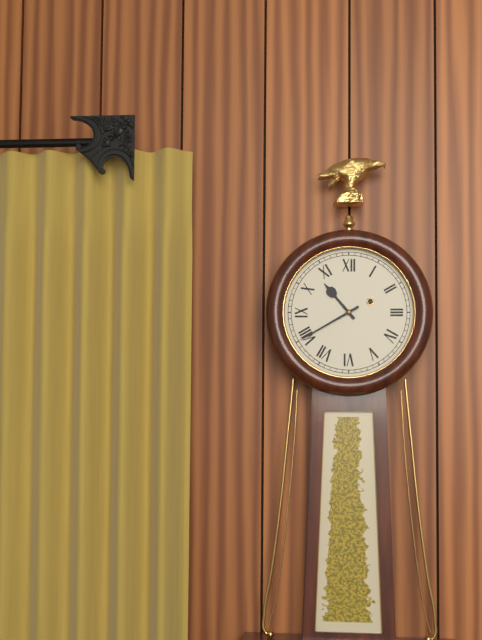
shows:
10,40
